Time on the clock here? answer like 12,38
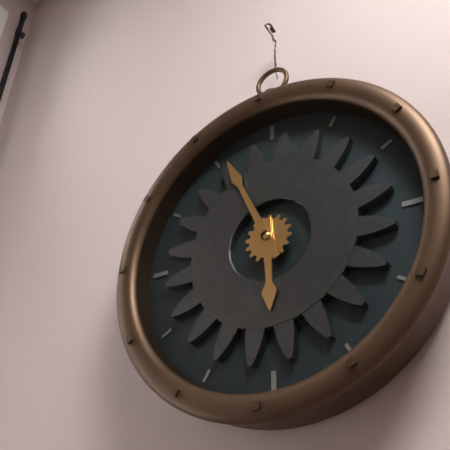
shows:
5,56
